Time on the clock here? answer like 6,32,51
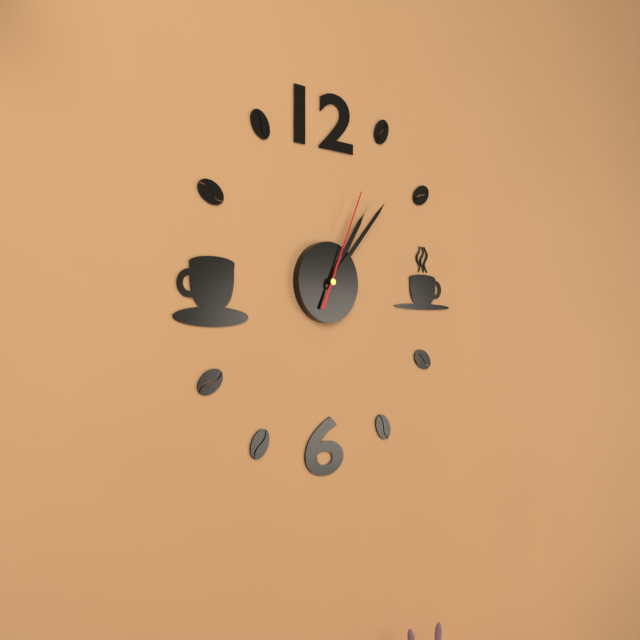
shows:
1,07,04
